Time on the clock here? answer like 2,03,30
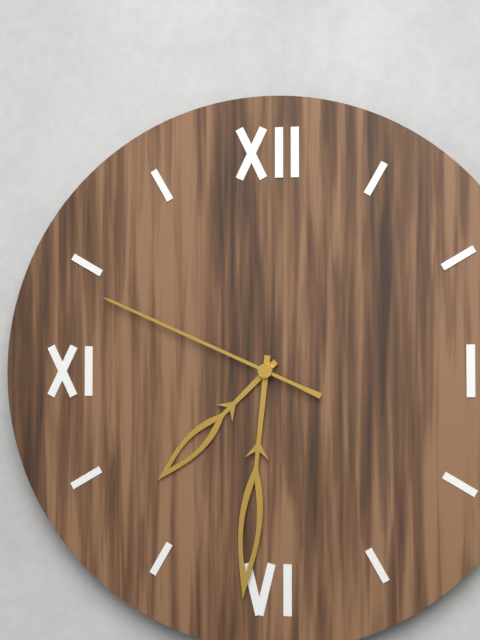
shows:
7,31,49
